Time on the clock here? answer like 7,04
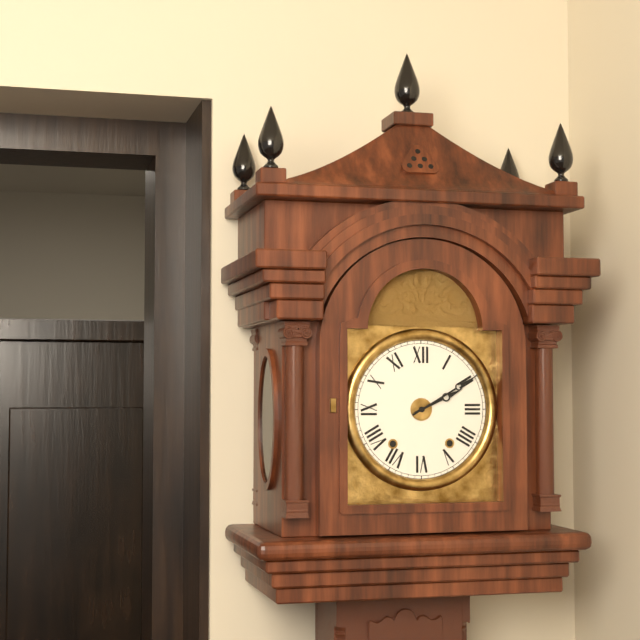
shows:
2,10
